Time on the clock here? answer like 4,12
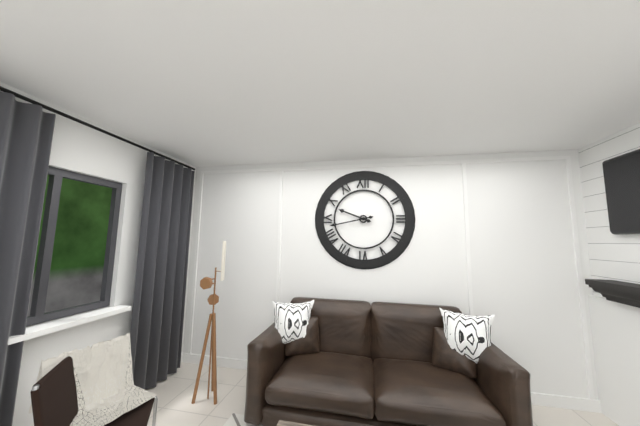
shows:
9,43
